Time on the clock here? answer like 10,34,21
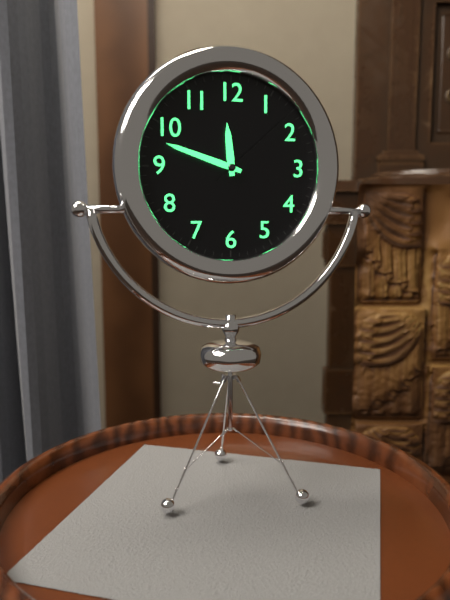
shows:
11,48,08
